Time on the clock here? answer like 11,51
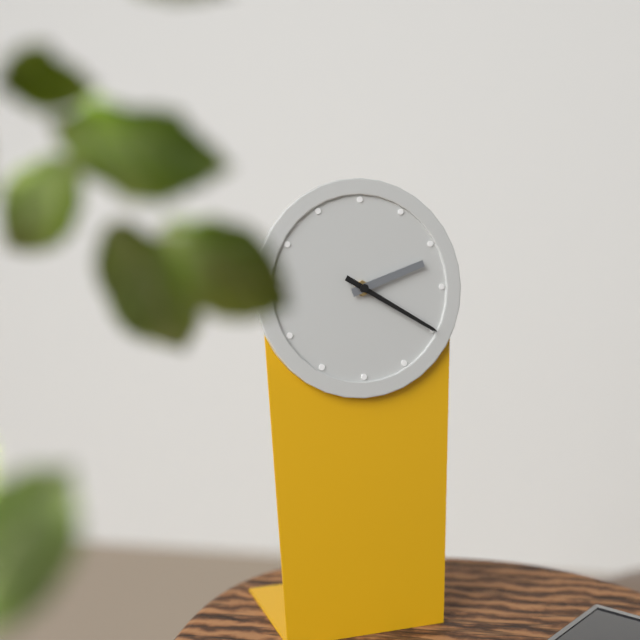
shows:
2,20
